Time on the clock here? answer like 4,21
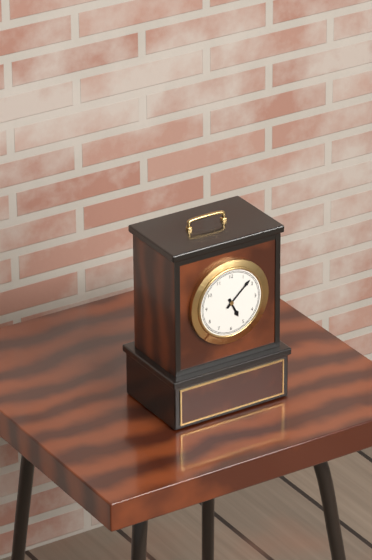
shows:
5,08
